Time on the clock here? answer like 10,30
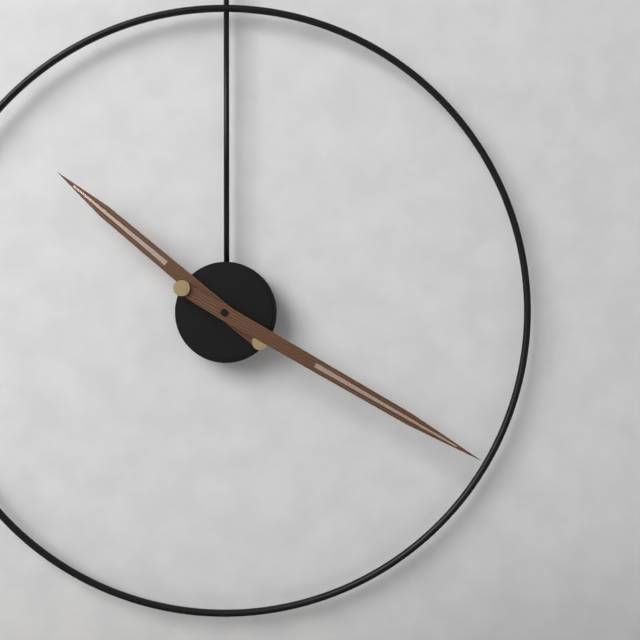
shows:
10,20
